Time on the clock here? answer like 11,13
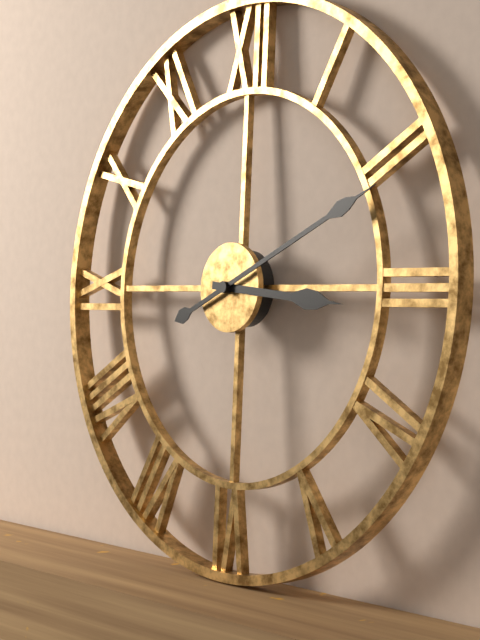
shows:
3,11
